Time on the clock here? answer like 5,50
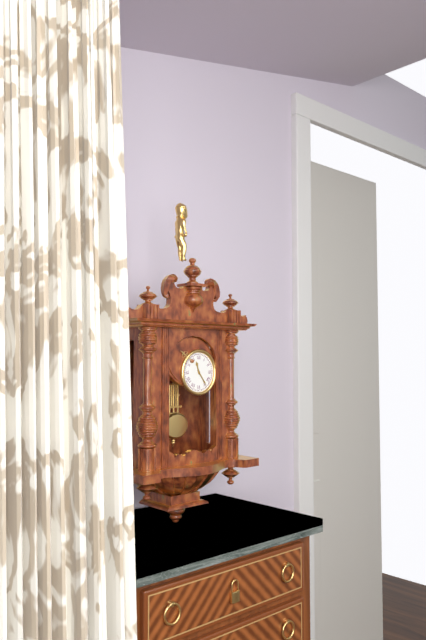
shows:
11,24
